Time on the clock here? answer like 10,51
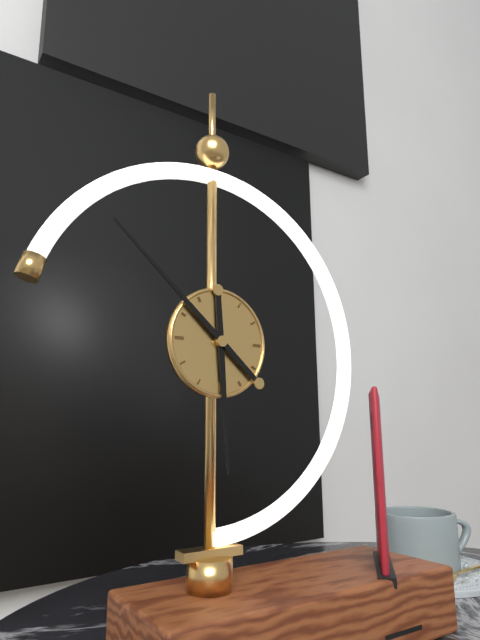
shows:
5,52
